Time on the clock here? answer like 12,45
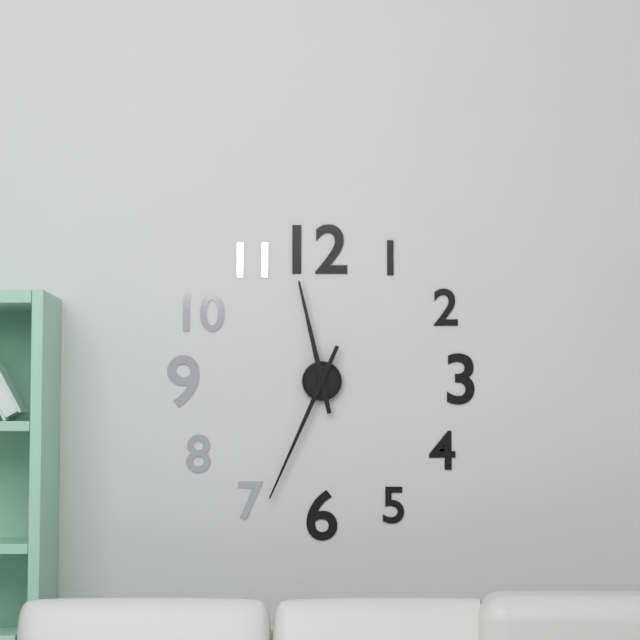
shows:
11,34
